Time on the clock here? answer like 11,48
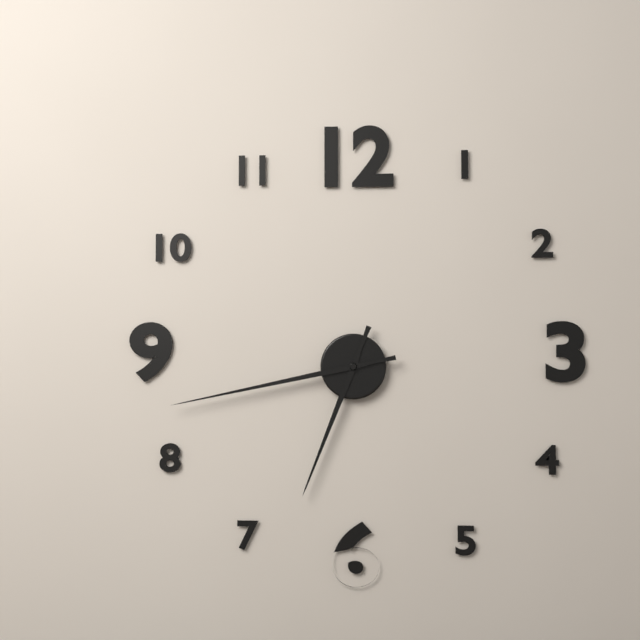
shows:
6,43
